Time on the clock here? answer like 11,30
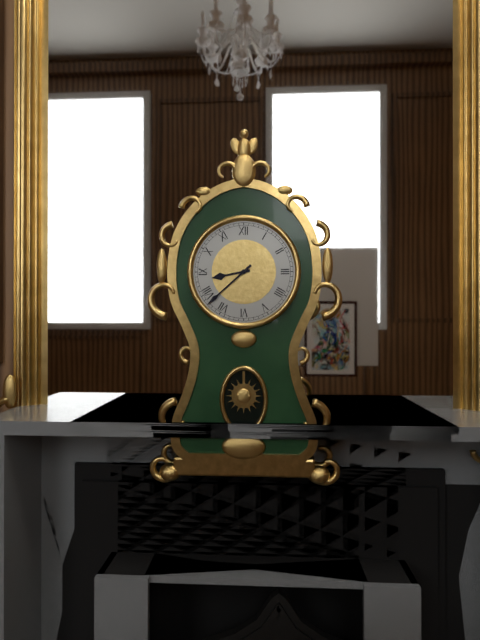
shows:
8,38
